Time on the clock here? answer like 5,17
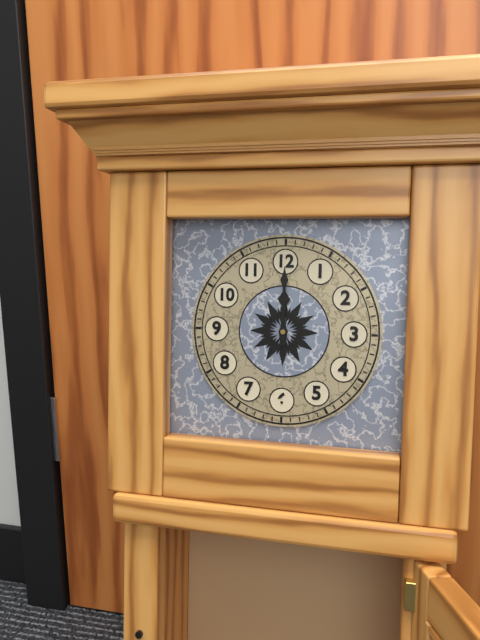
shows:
12,00
